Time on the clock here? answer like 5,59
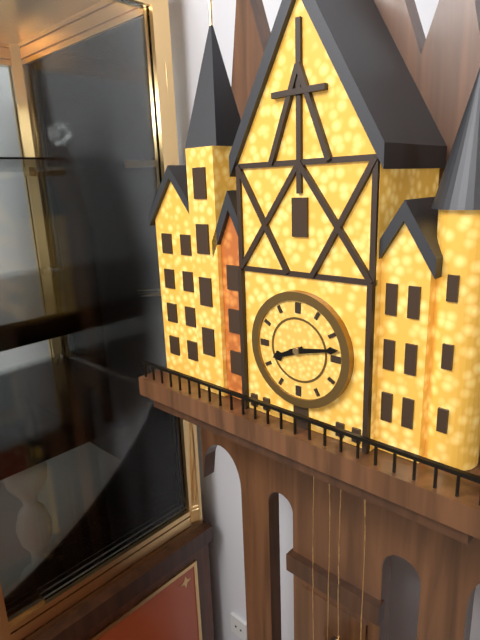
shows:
8,13
